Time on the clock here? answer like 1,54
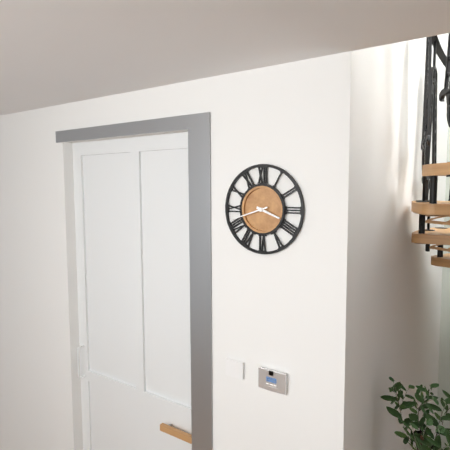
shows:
3,42
